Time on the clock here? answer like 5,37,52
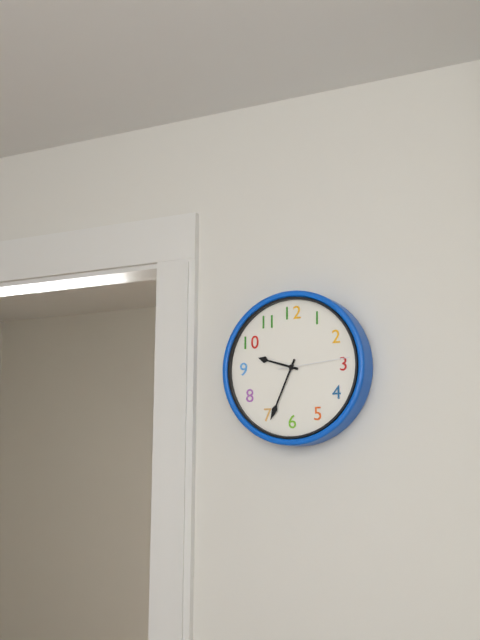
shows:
9,34,14
